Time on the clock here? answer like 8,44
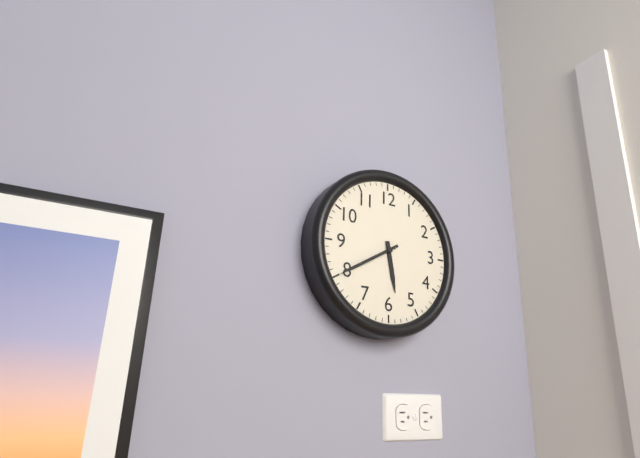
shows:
5,40
